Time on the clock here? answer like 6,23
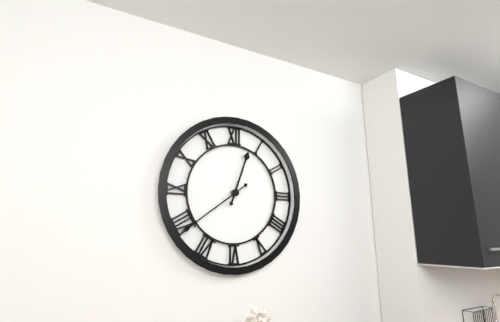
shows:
12,39
